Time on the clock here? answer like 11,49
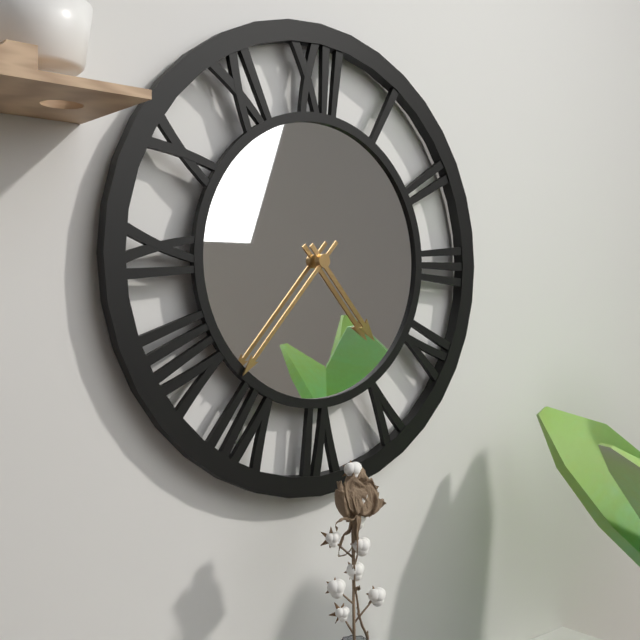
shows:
4,37
